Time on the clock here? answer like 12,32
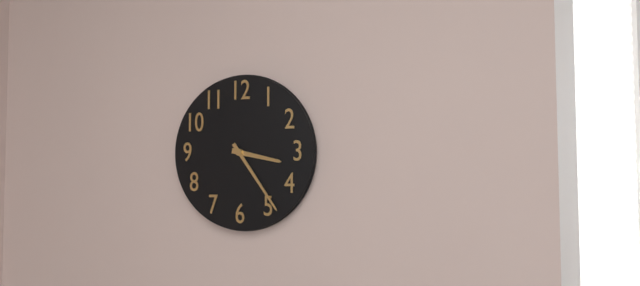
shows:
3,24
